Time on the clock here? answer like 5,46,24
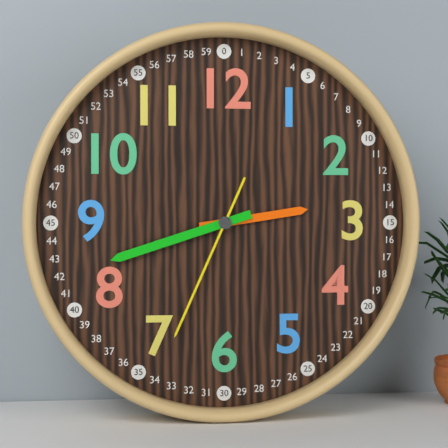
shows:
2,42,34
